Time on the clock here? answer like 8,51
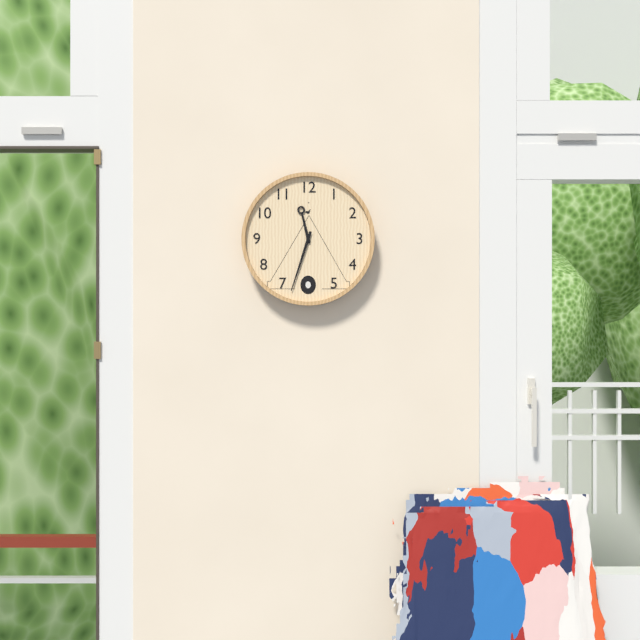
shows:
11,33
